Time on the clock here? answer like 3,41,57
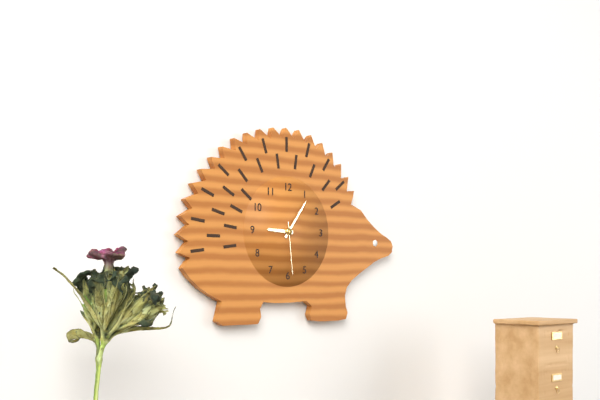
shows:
9,06,29
